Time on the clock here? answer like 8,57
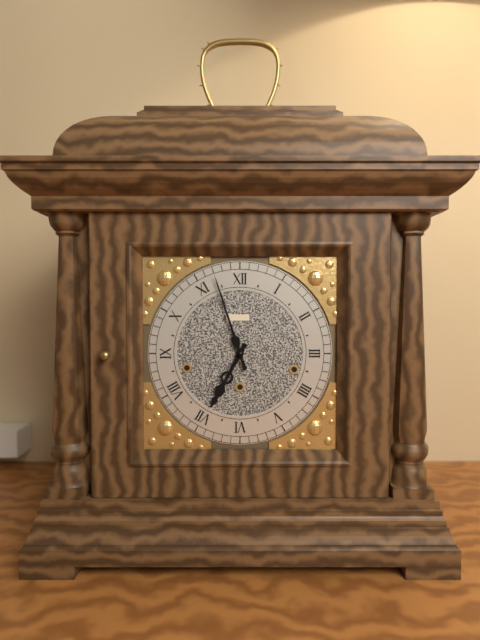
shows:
6,57
